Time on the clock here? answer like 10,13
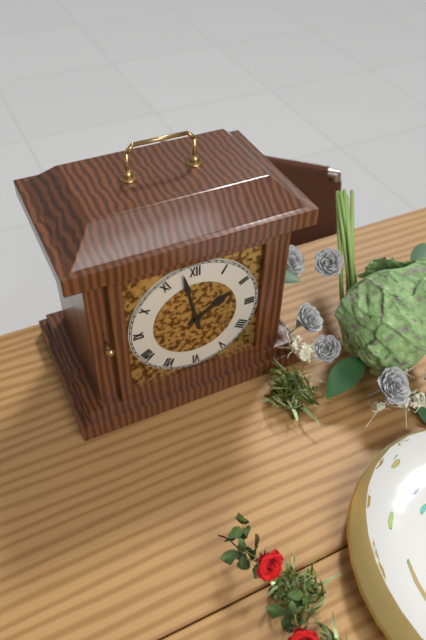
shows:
1,58
